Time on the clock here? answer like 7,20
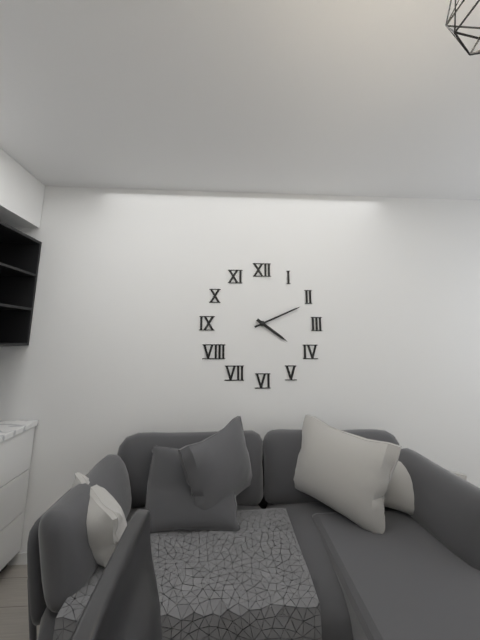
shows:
4,11
